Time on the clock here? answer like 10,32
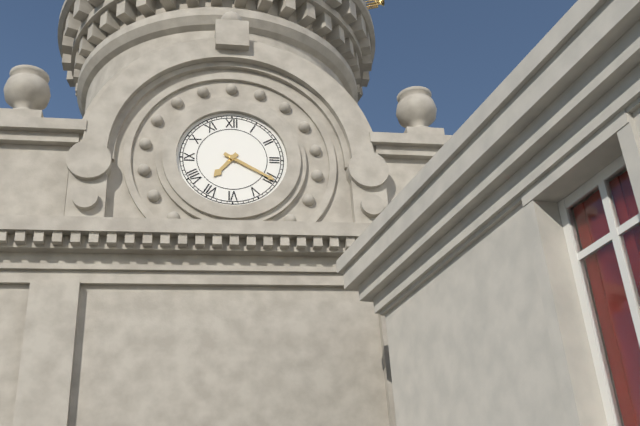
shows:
7,20
